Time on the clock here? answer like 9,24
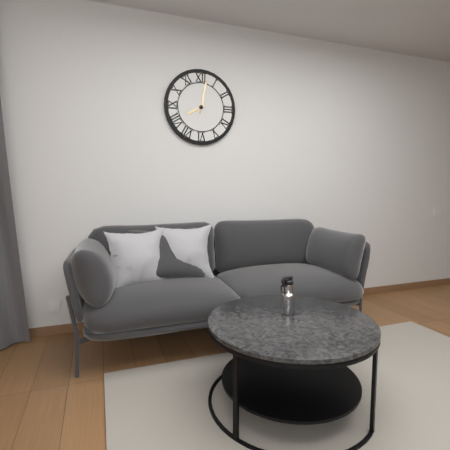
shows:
8,02
